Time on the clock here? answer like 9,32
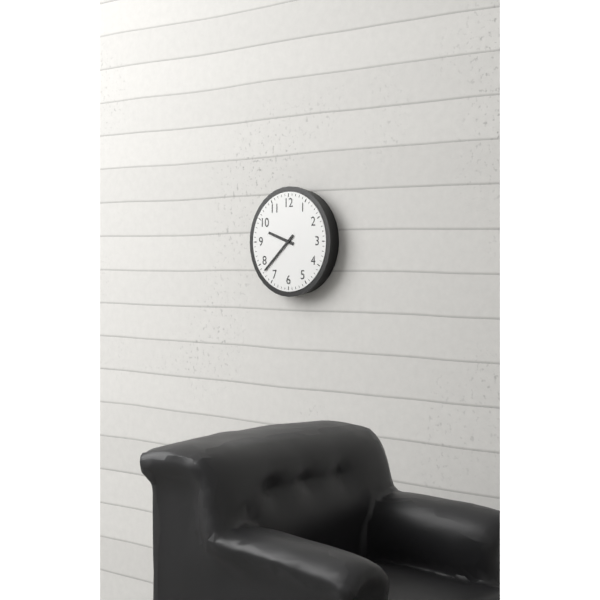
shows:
9,38
